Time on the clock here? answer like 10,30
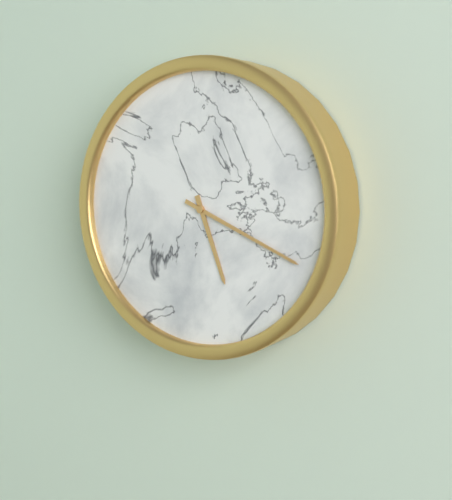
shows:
5,19
